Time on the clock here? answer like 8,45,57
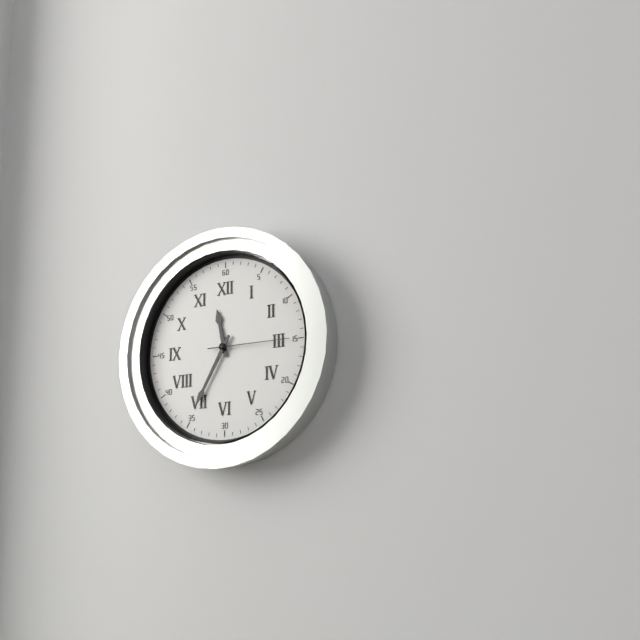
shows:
11,35,15
